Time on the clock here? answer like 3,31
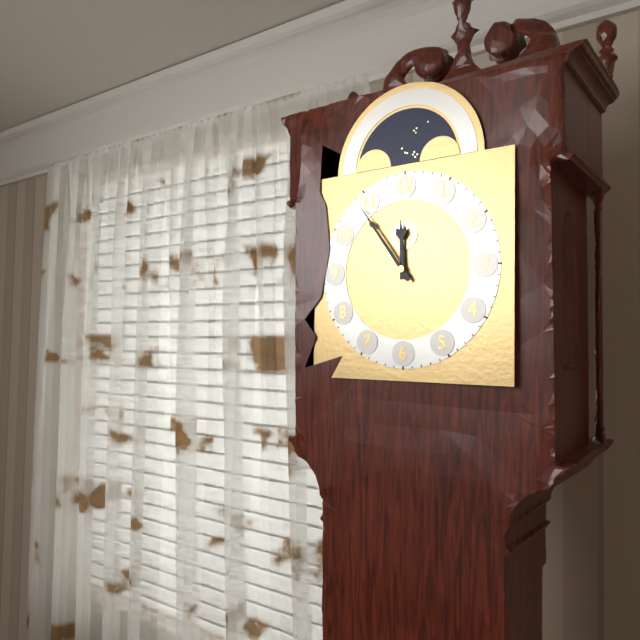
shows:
11,54
